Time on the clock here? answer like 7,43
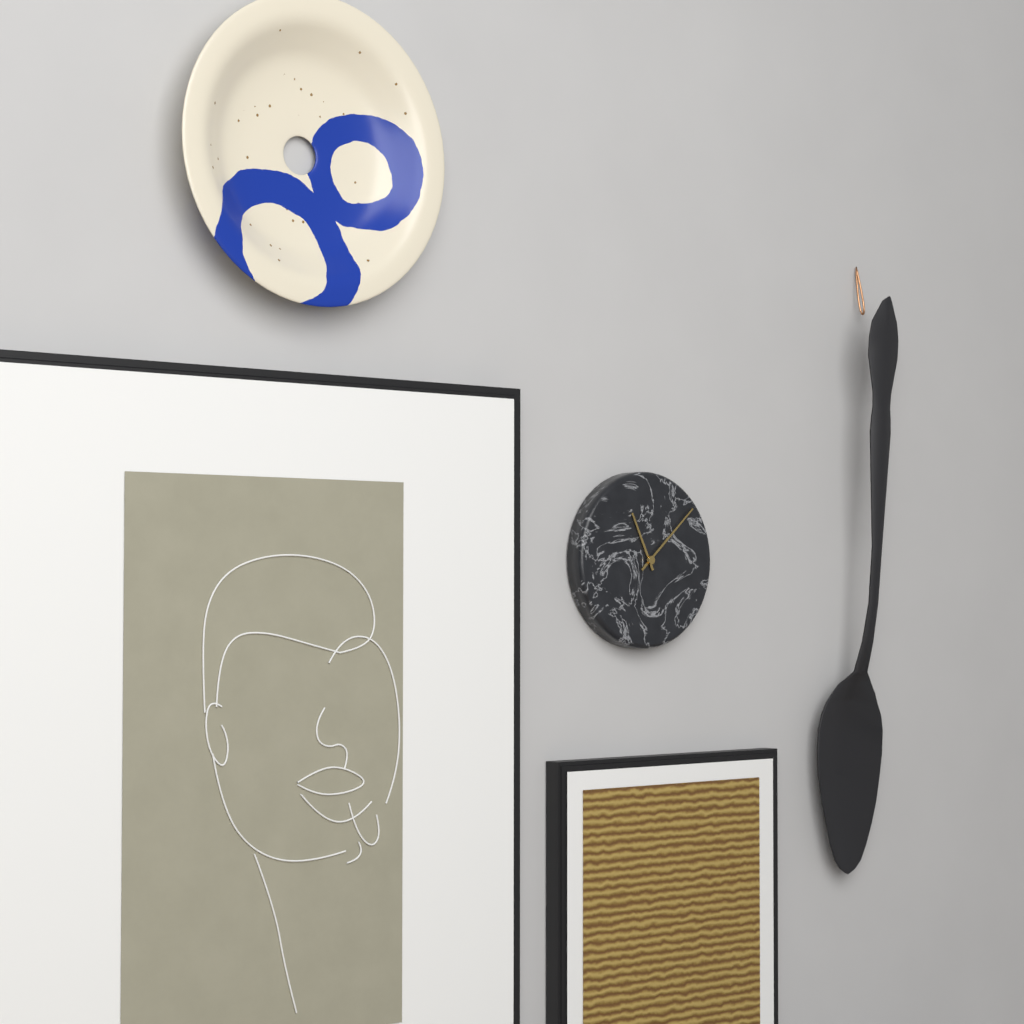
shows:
11,08
